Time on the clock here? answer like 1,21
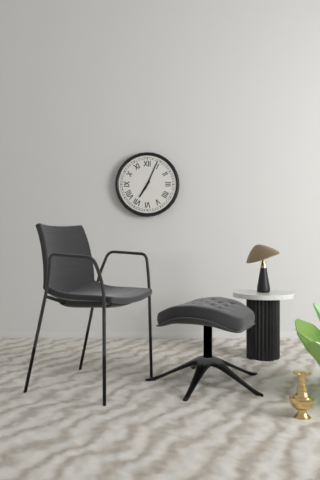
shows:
7,04
